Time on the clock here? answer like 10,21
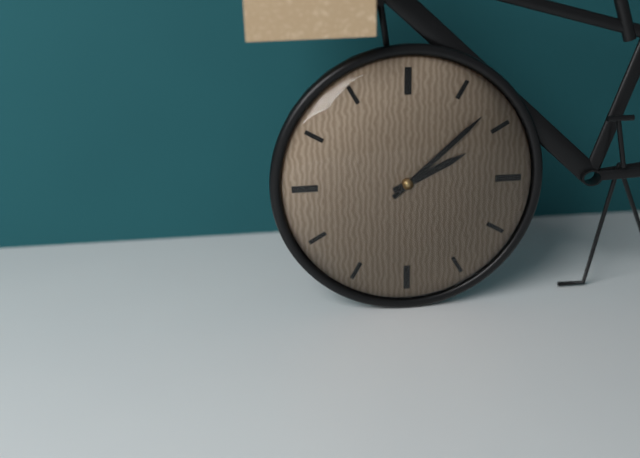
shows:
2,08
